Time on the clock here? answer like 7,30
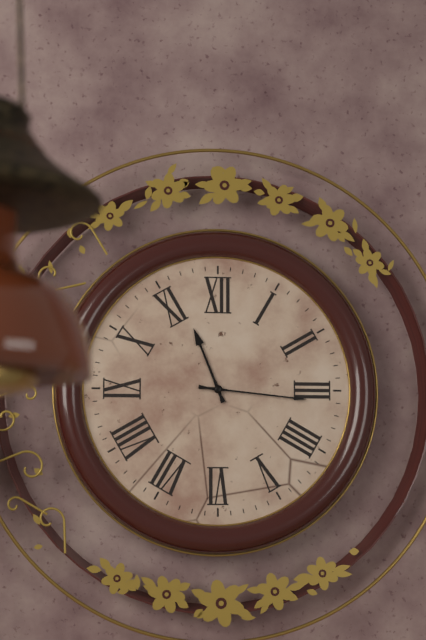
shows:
11,16
